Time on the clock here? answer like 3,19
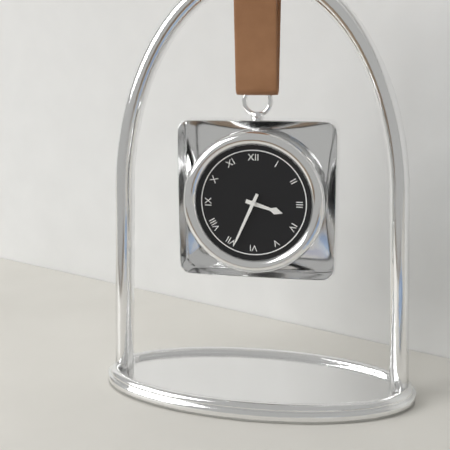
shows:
3,34
